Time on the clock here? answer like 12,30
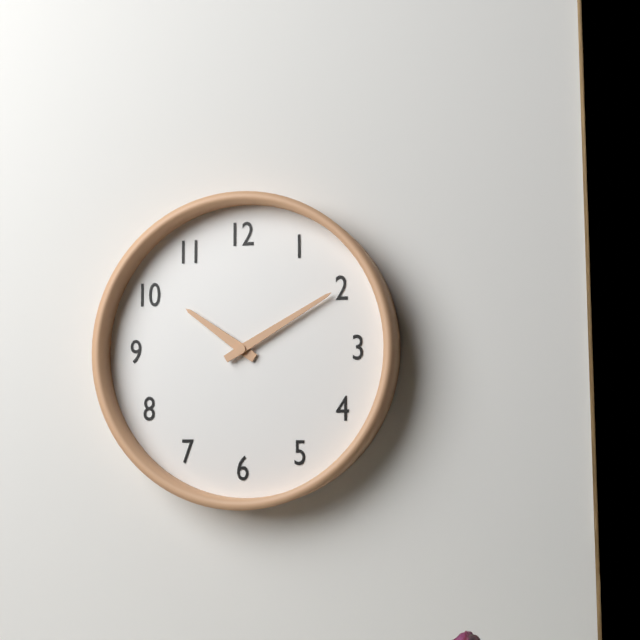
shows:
10,10
